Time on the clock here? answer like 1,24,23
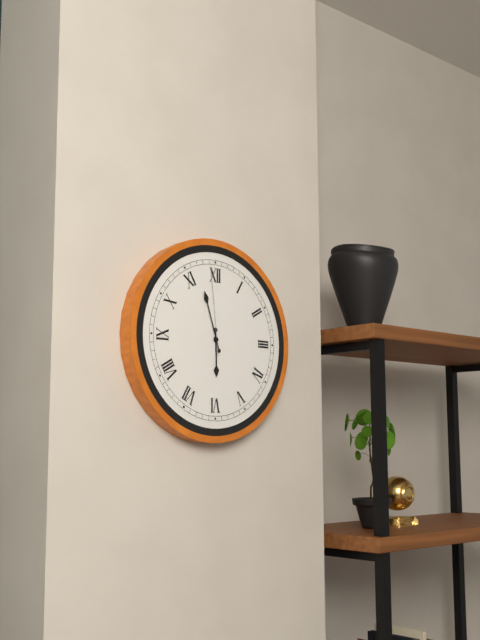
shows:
5,57,59
